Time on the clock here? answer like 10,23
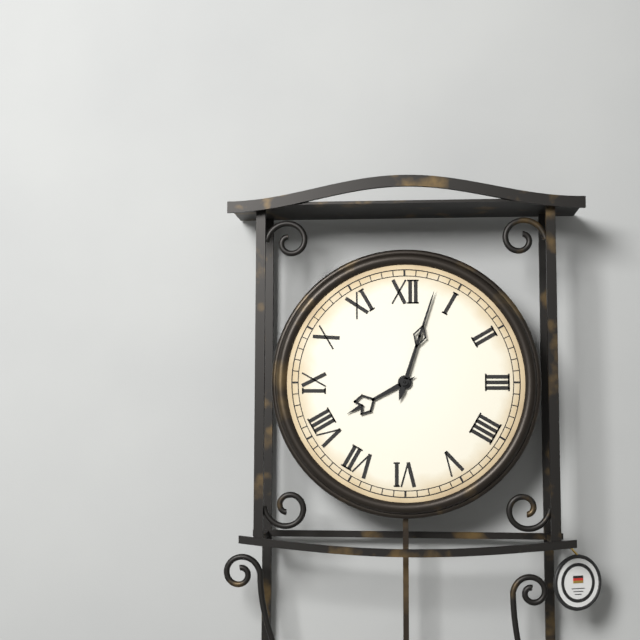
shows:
8,03
